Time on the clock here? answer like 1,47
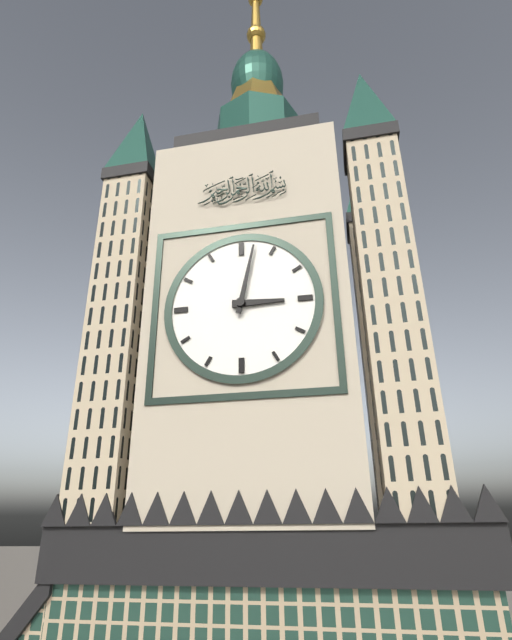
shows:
3,02
